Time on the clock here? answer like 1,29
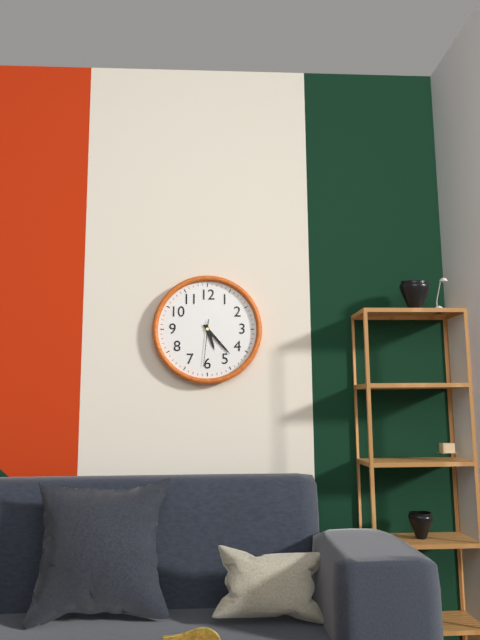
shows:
5,23
